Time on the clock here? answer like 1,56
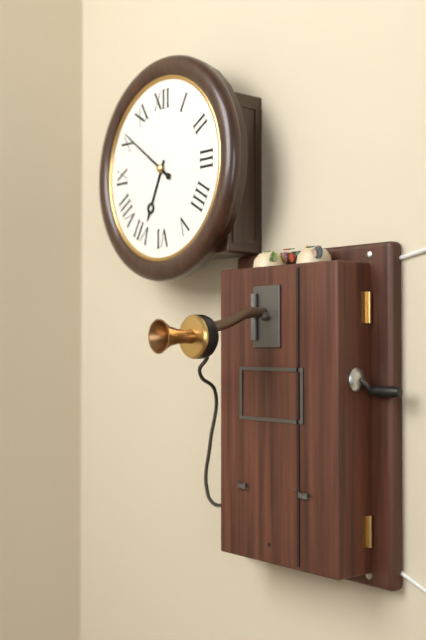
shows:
6,51
